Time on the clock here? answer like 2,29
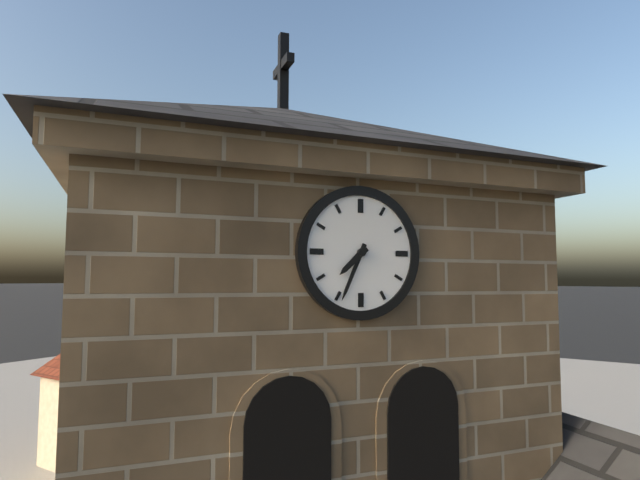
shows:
7,34
